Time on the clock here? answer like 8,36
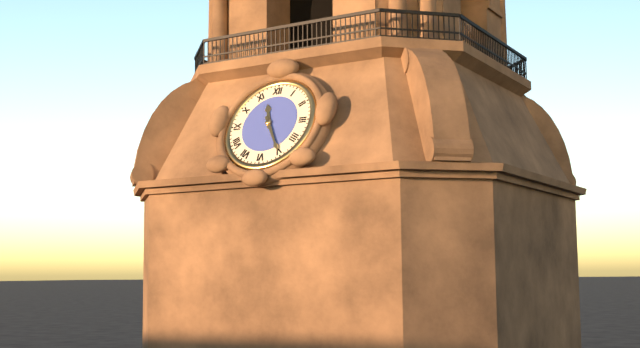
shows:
11,25
